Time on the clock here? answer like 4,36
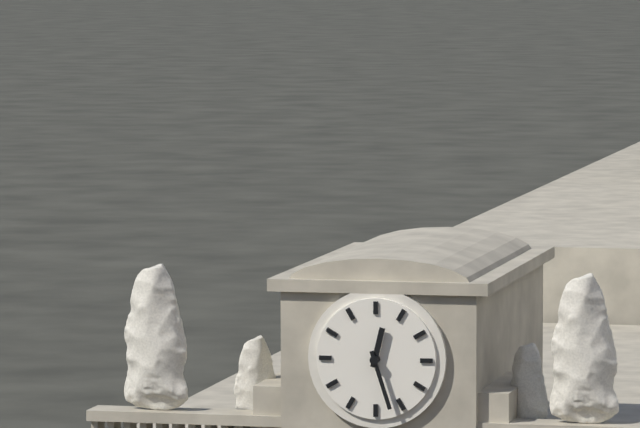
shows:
12,27
